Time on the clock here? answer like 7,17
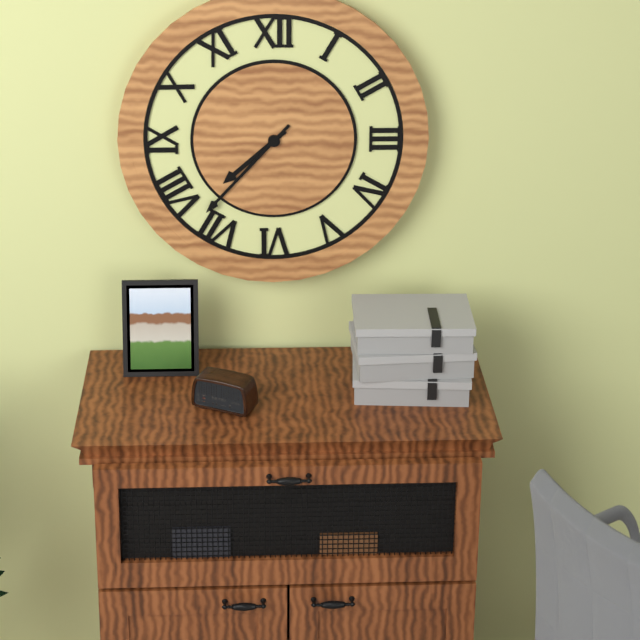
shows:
7,37
